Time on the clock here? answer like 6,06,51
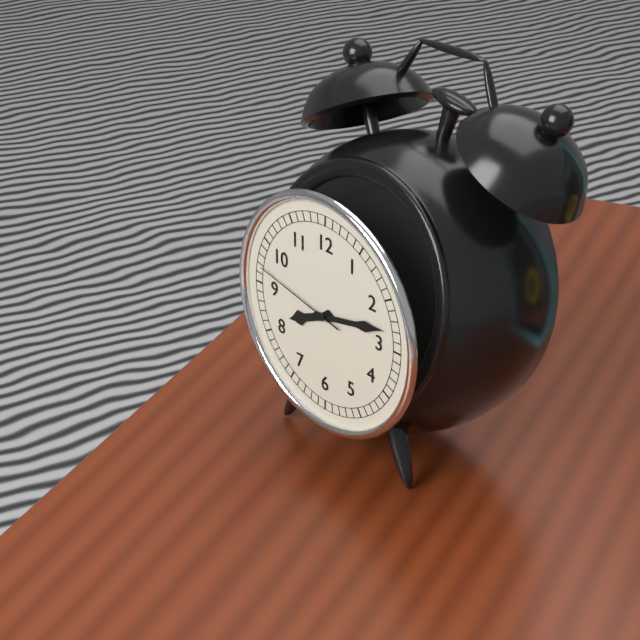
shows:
8,13,47
